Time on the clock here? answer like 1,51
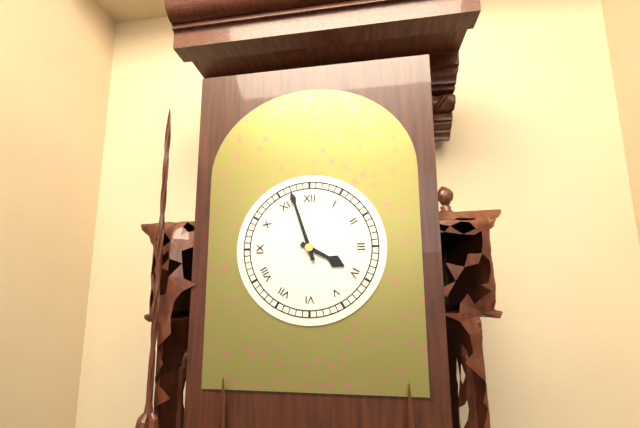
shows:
3,57
